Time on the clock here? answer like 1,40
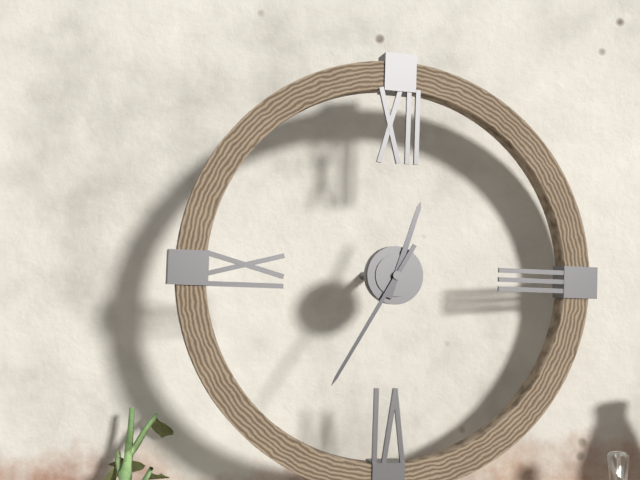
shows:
12,35
